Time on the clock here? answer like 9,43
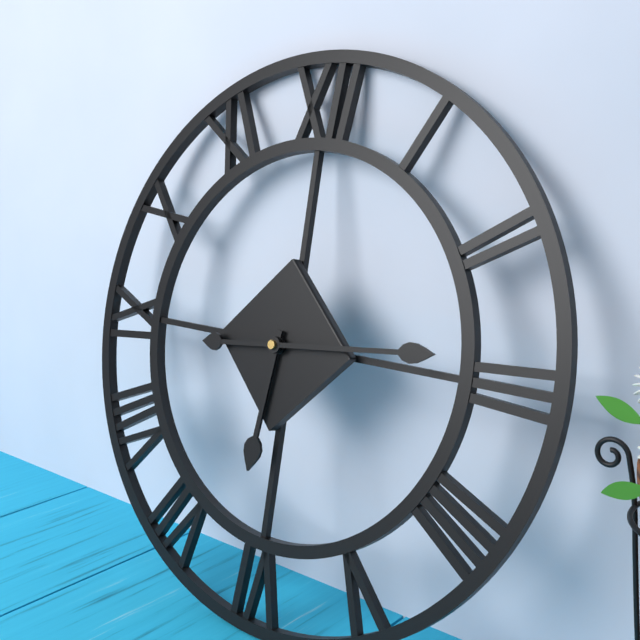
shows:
6,14
